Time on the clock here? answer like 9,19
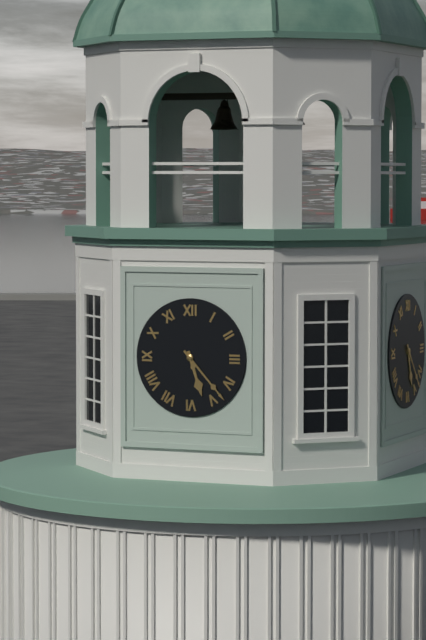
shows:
5,23
